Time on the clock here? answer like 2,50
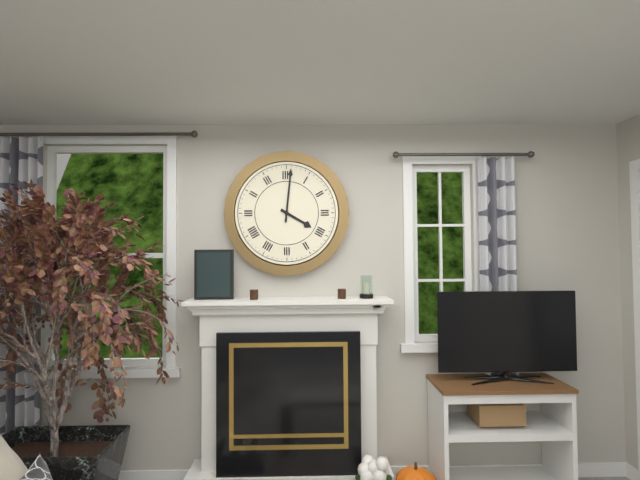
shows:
4,01
